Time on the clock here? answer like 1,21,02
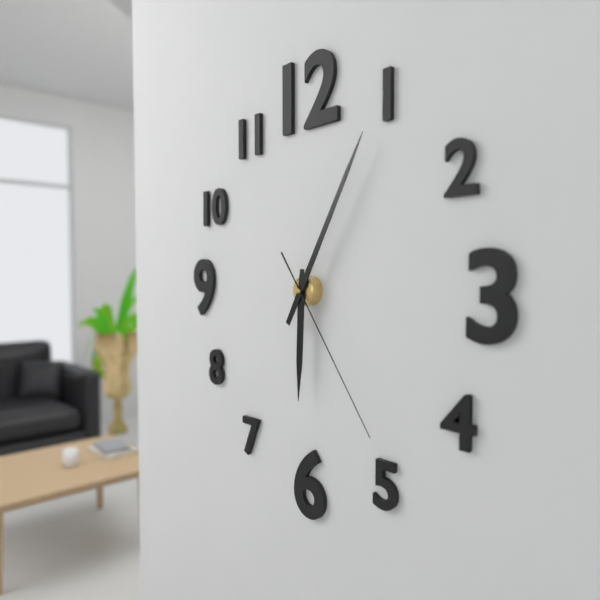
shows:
6,05,24
